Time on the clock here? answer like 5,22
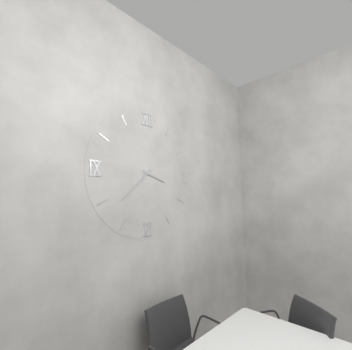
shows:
3,38
